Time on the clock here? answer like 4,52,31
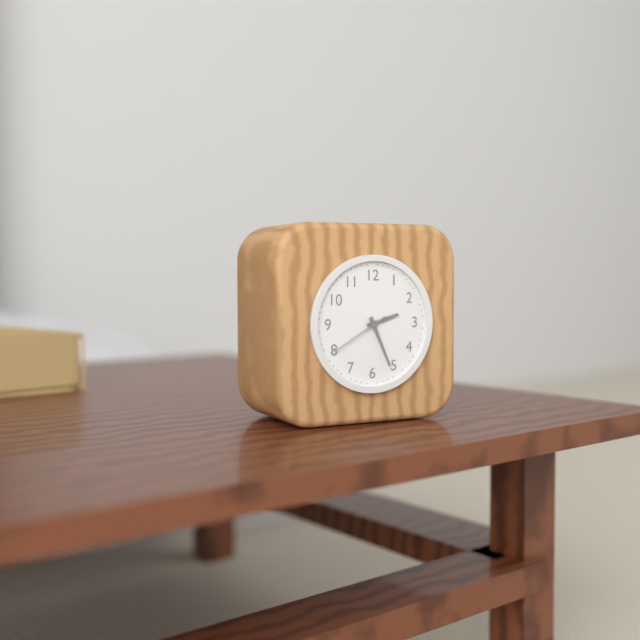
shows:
2,26,40
